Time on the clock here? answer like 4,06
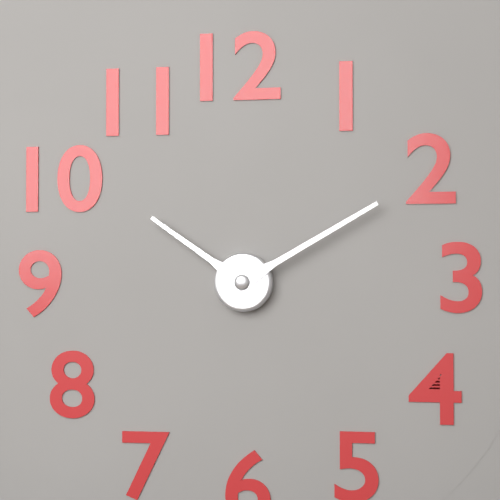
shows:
10,10
